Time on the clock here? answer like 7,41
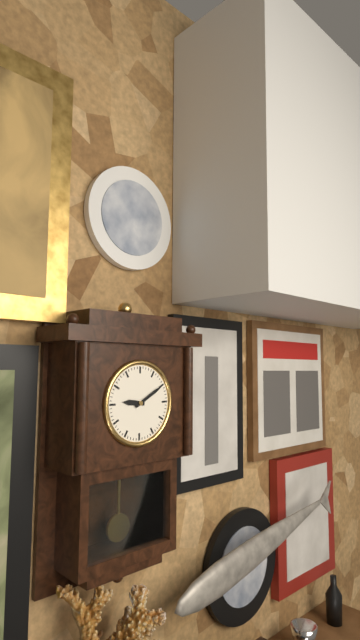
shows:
9,10
